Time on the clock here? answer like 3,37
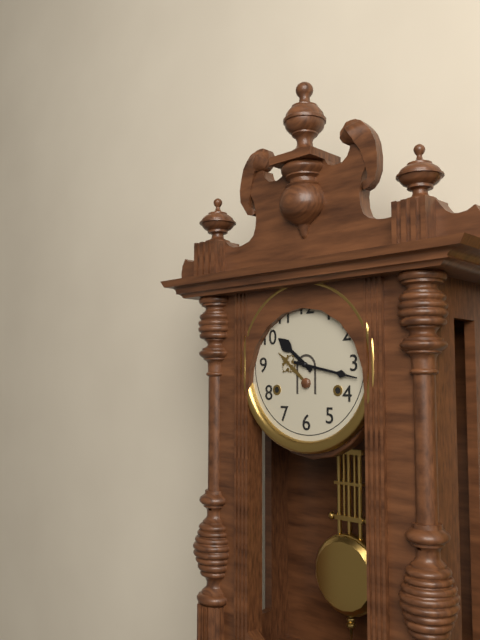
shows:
10,17
